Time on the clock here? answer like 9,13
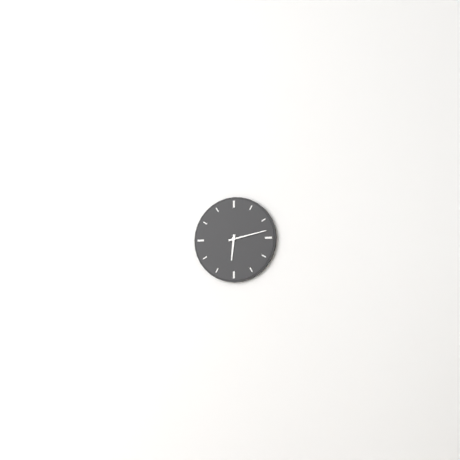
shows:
6,13
